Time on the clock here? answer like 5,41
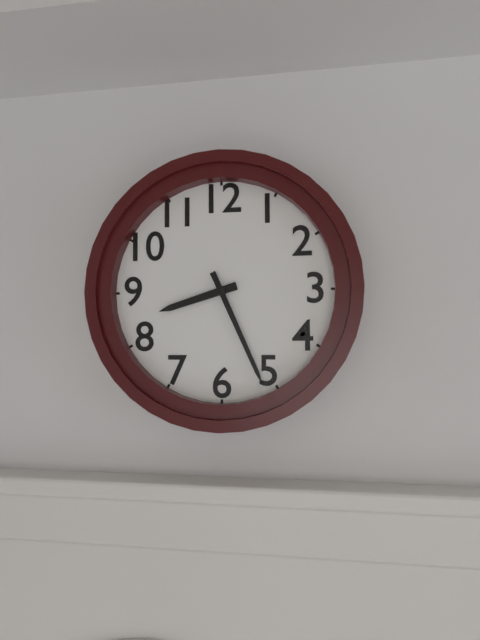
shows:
8,26
